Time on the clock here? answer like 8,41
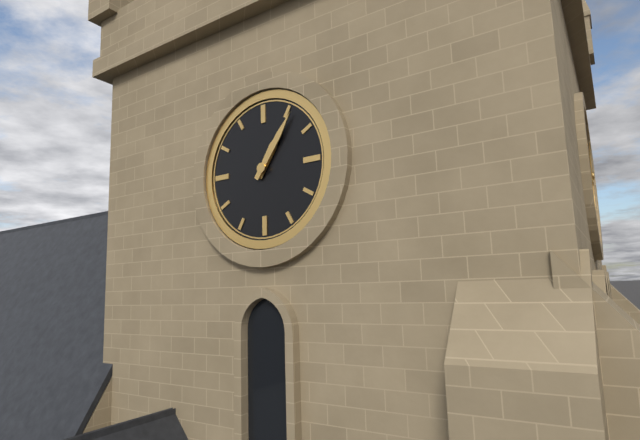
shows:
1,06
